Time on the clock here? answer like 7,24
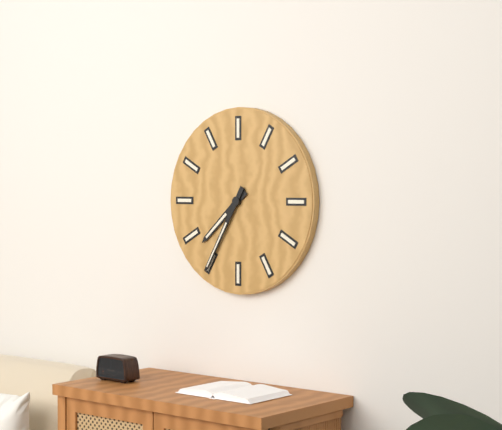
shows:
7,35
